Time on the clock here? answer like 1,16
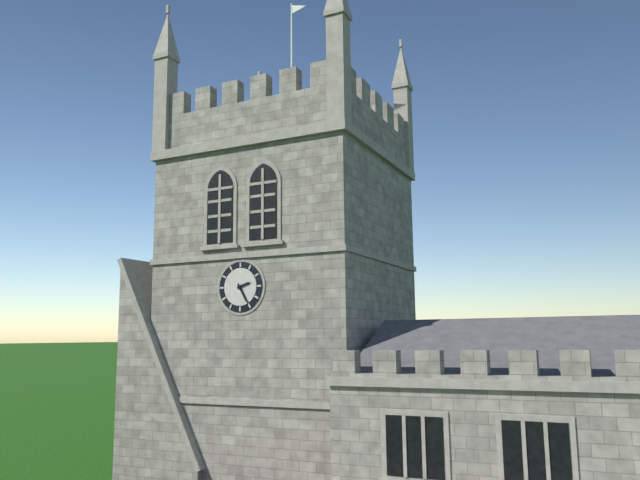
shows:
2,25
